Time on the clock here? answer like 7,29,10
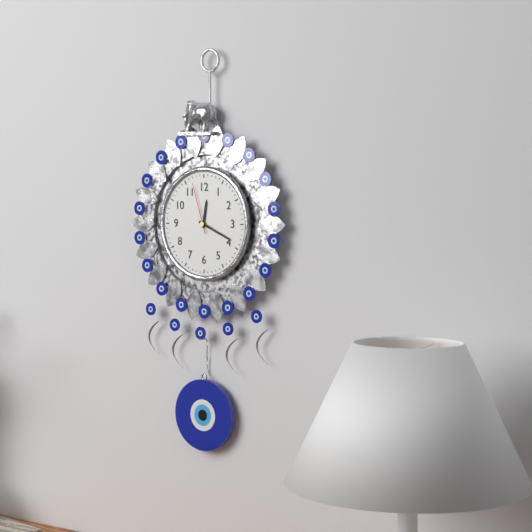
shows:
12,19,57
